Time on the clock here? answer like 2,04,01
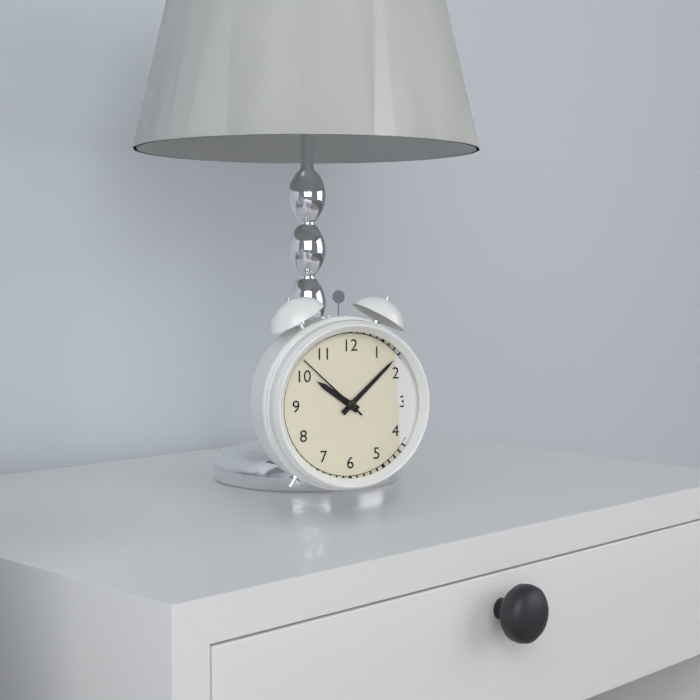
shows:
10,08,52
